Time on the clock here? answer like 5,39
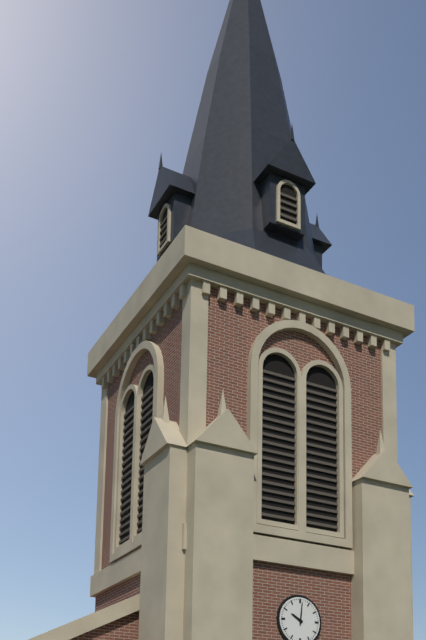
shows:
10,01
